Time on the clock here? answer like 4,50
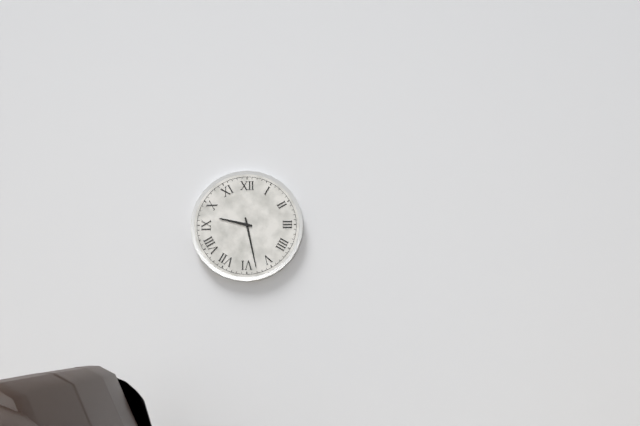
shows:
9,28
